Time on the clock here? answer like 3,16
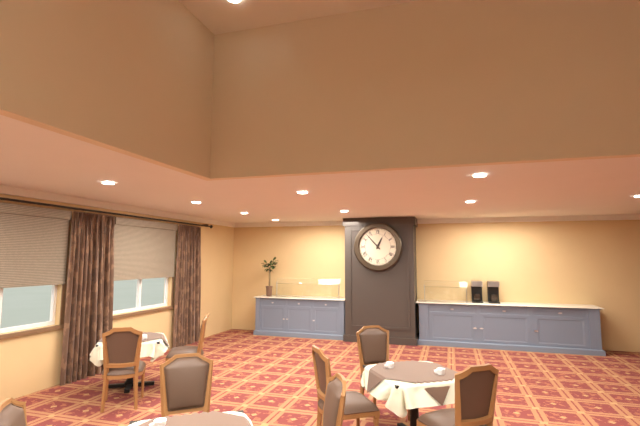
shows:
12,53
